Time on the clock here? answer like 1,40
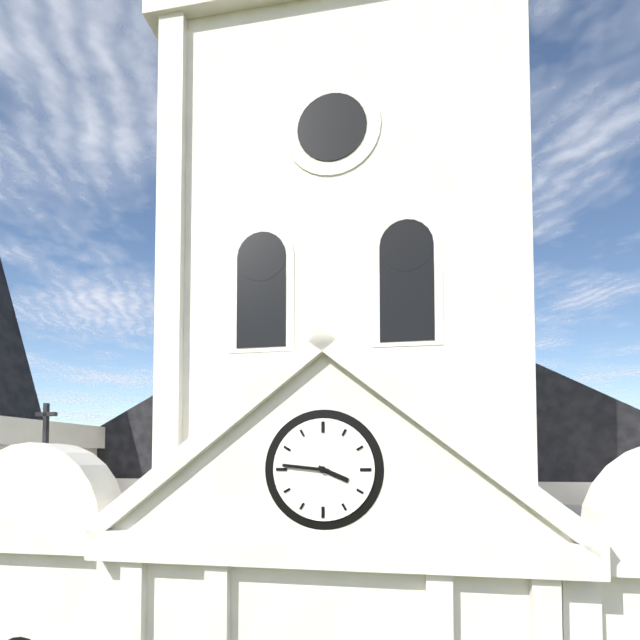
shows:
3,46
